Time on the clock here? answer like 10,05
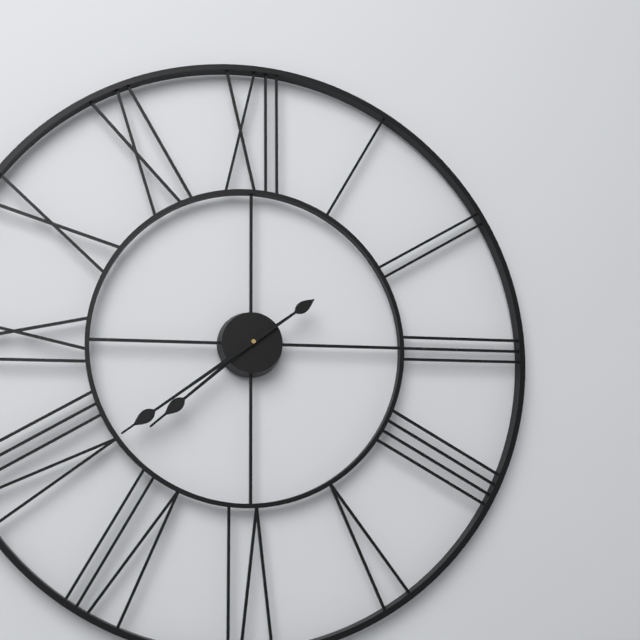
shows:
7,39
